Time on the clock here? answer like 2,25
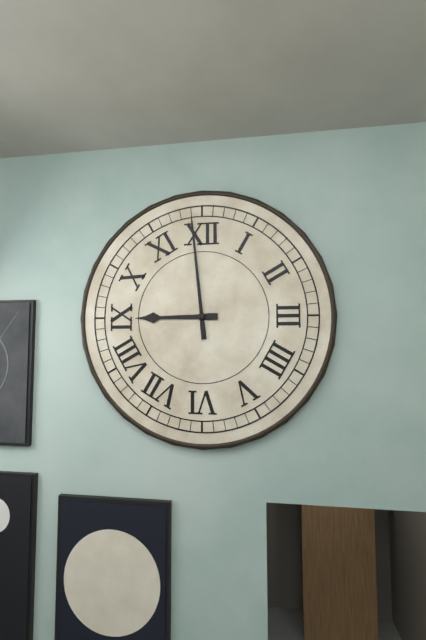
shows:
8,59
